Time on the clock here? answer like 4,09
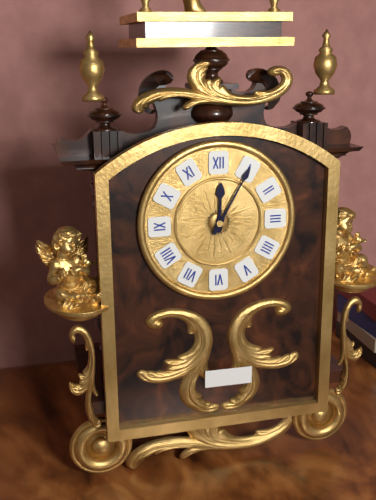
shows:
12,05
